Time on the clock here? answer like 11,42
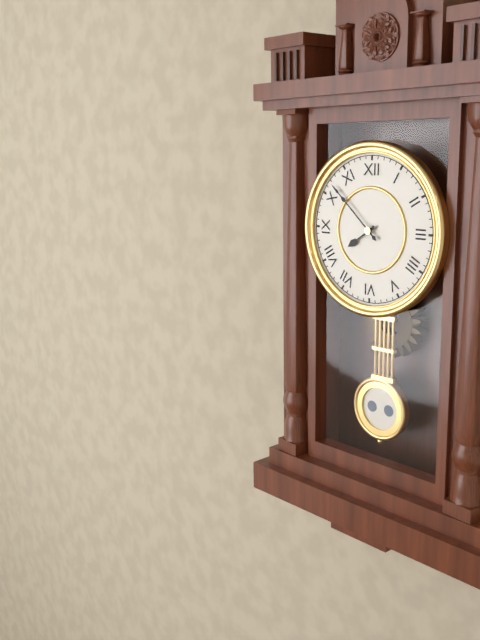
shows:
7,52
